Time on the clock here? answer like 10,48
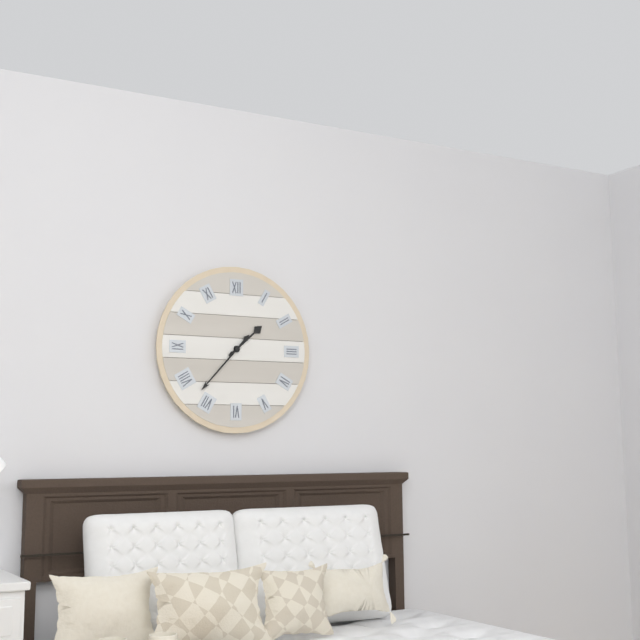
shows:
1,37
